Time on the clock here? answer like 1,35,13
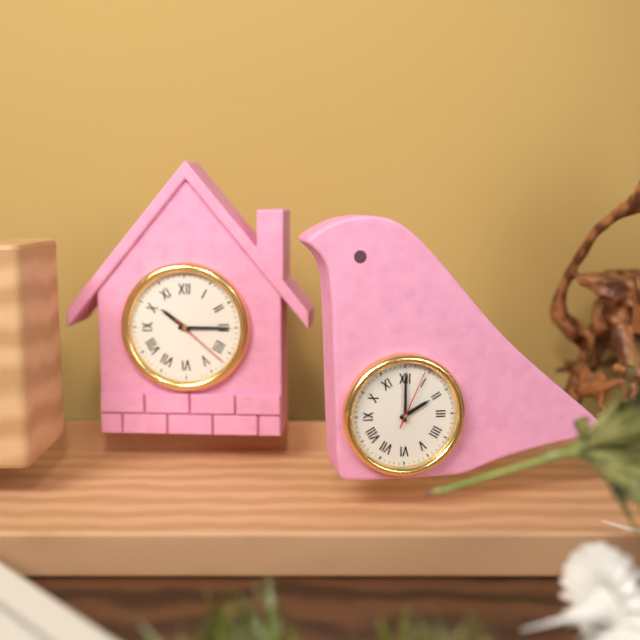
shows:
2,00,04
